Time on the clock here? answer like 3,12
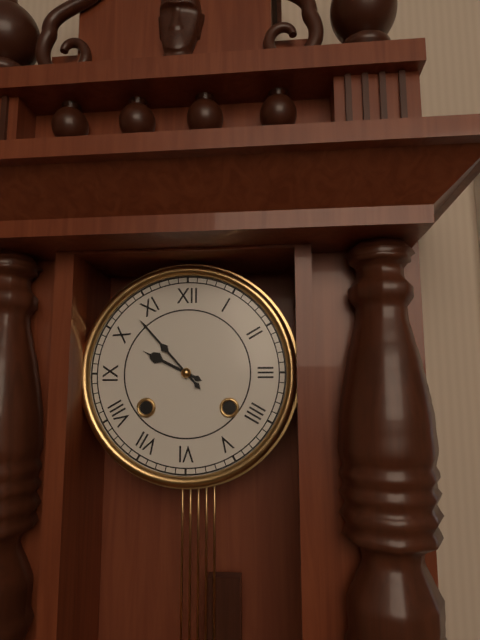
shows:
9,53
